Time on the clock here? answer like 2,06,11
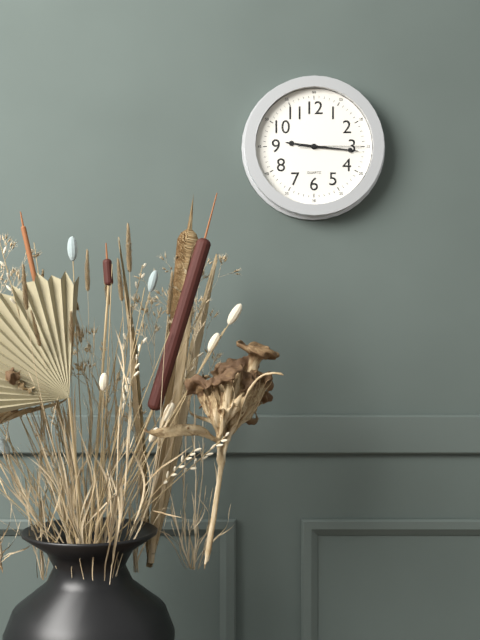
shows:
9,16,15
